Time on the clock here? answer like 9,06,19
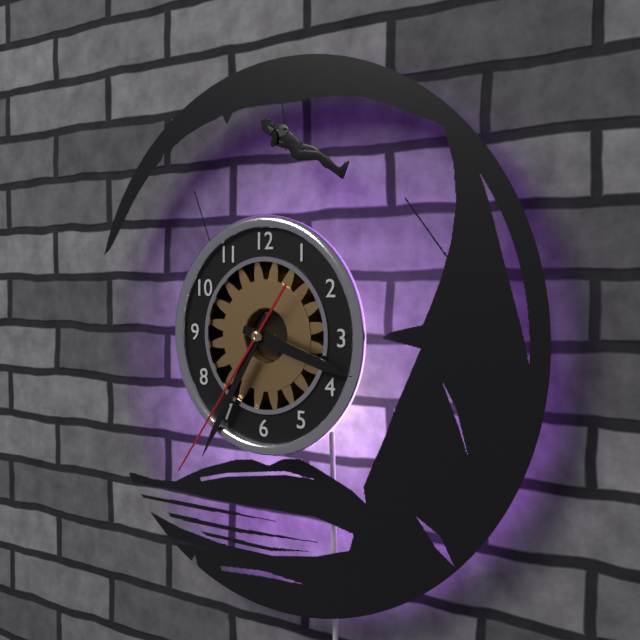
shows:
3,35,36
